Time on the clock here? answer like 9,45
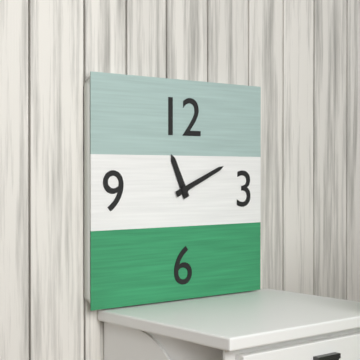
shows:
11,11
